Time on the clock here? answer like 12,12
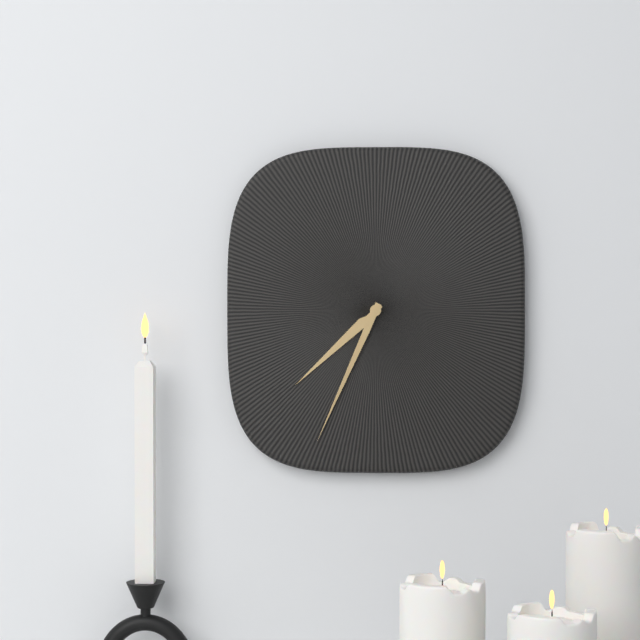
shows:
7,34
